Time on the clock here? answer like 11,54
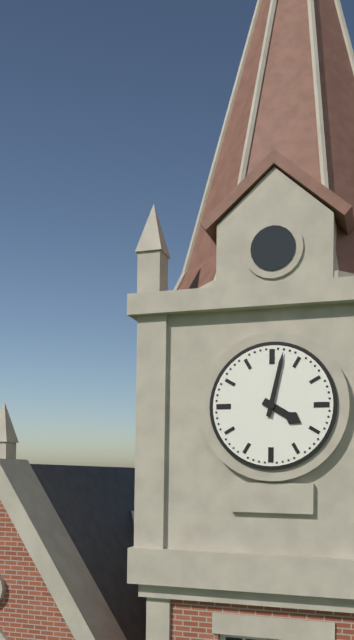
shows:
4,02
